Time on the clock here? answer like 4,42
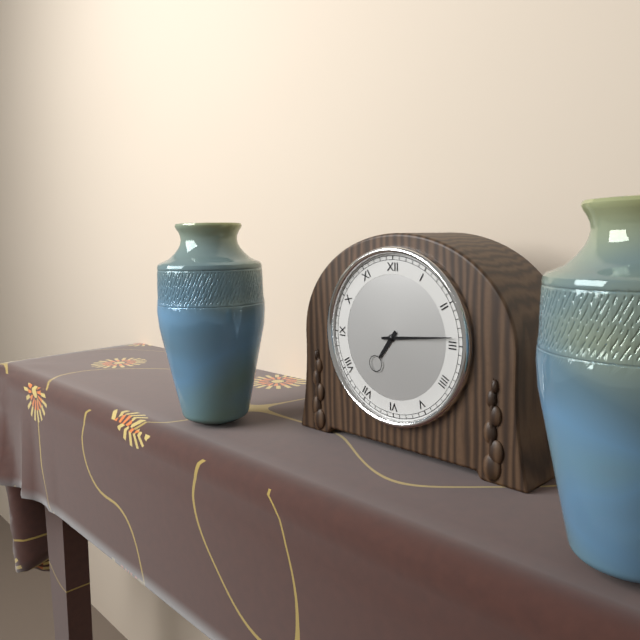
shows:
7,14
